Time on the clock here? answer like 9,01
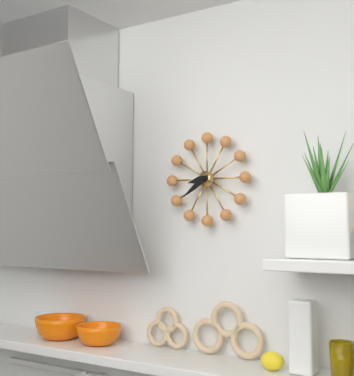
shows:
8,39
